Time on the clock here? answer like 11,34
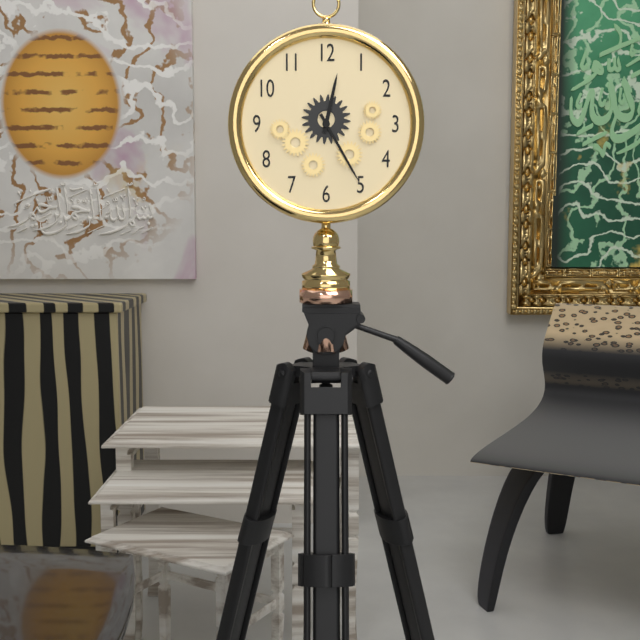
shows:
12,25
